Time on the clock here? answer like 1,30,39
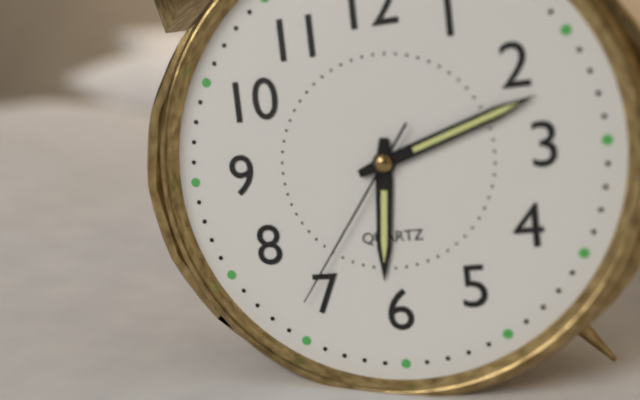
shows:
6,12,36
